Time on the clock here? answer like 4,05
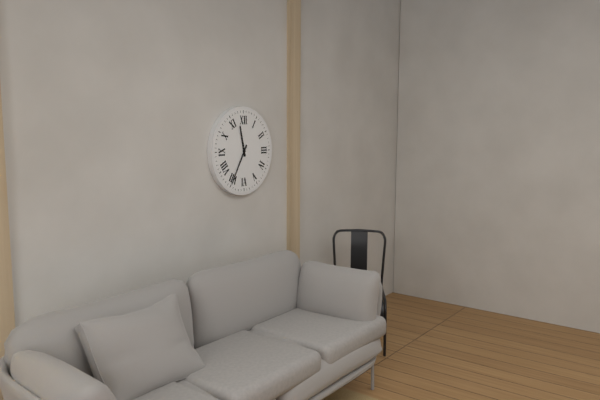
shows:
11,35
